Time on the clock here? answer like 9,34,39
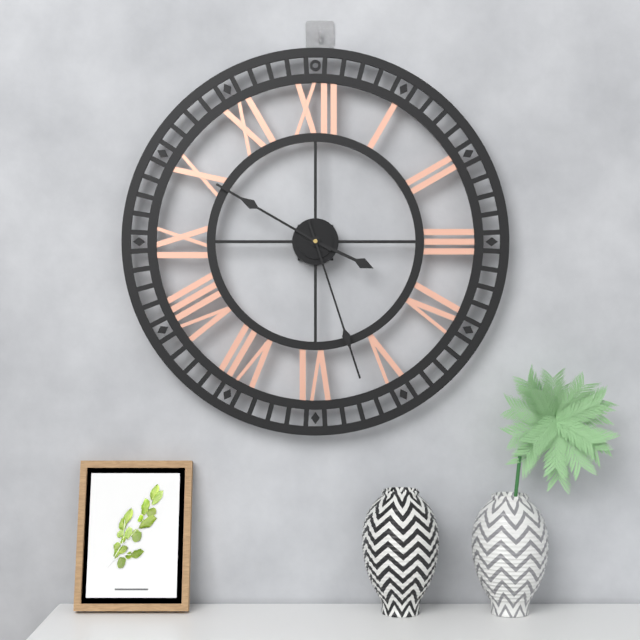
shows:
3,50,27
